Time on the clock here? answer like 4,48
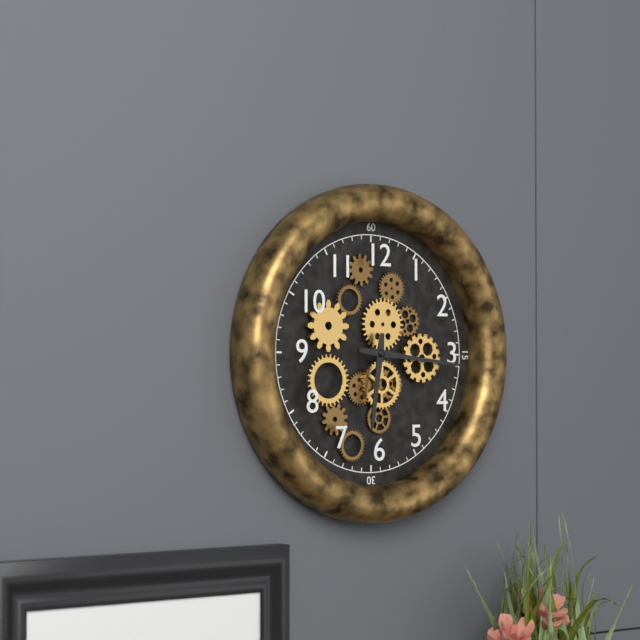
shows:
6,16
